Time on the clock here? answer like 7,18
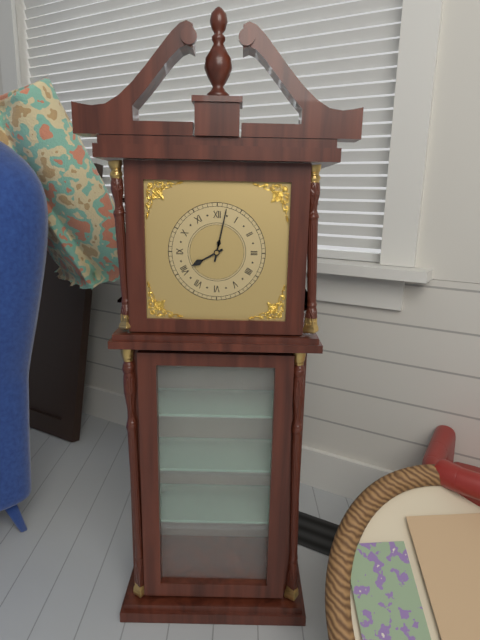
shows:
8,02
